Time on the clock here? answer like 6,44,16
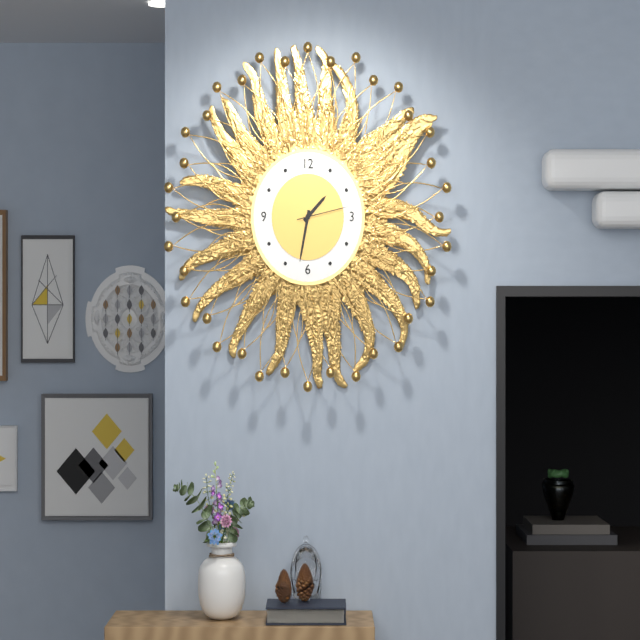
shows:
1,32,13
